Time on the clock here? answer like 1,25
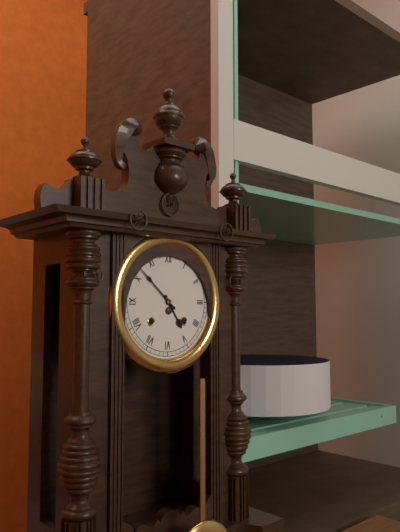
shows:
4,52
